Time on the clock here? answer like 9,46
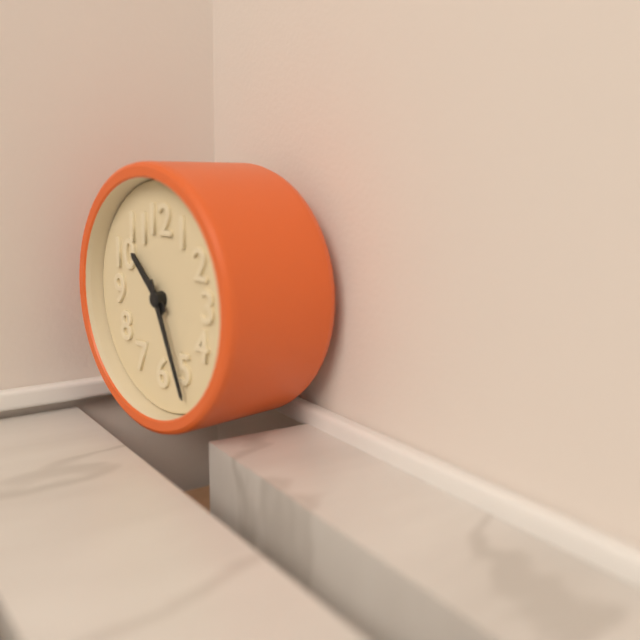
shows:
10,26
